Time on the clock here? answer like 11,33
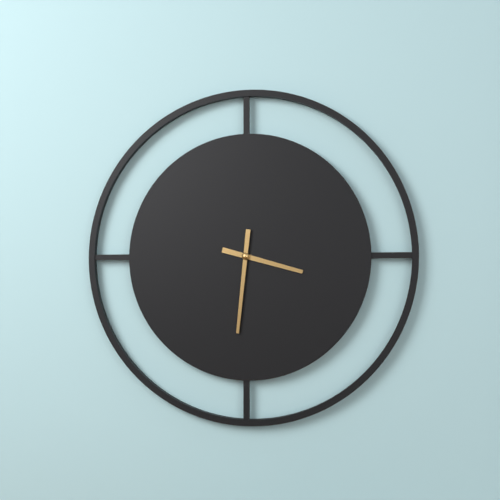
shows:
3,31
